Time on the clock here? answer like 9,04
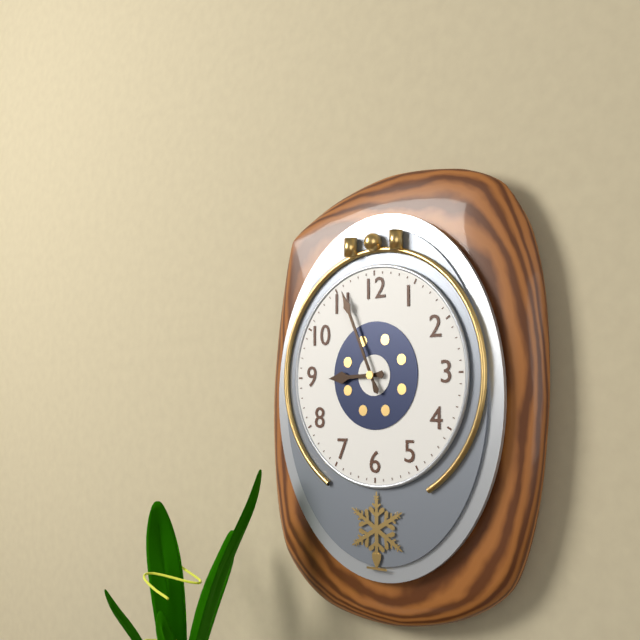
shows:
8,56
